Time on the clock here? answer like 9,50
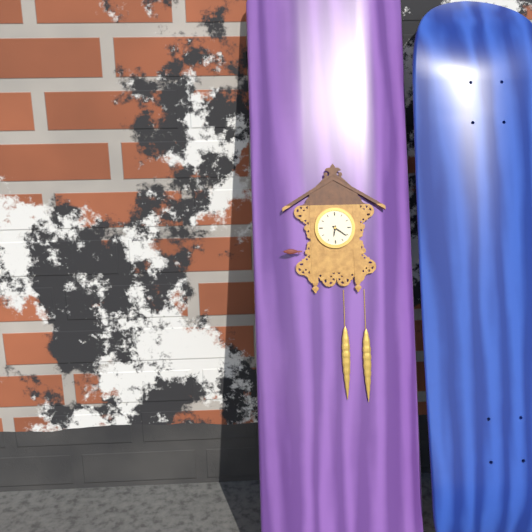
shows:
6,21
